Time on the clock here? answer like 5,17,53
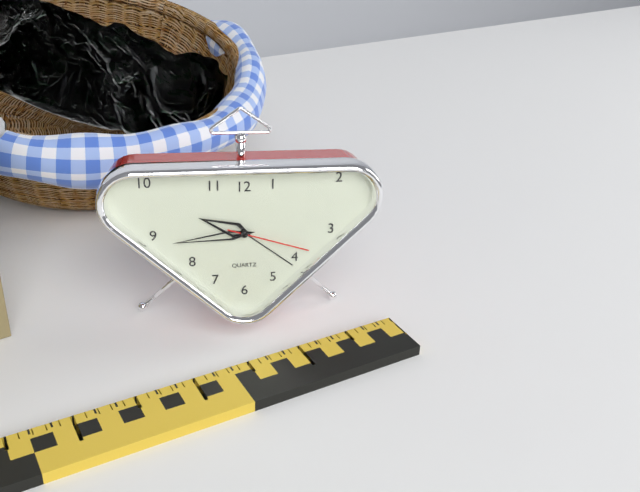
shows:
9,44,18
